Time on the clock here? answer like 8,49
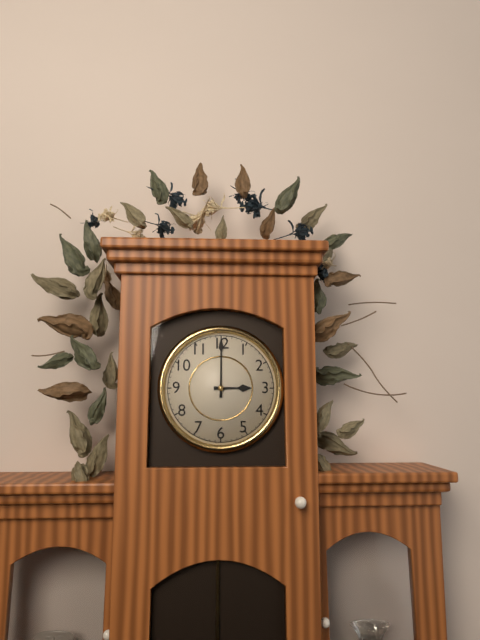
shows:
3,00
